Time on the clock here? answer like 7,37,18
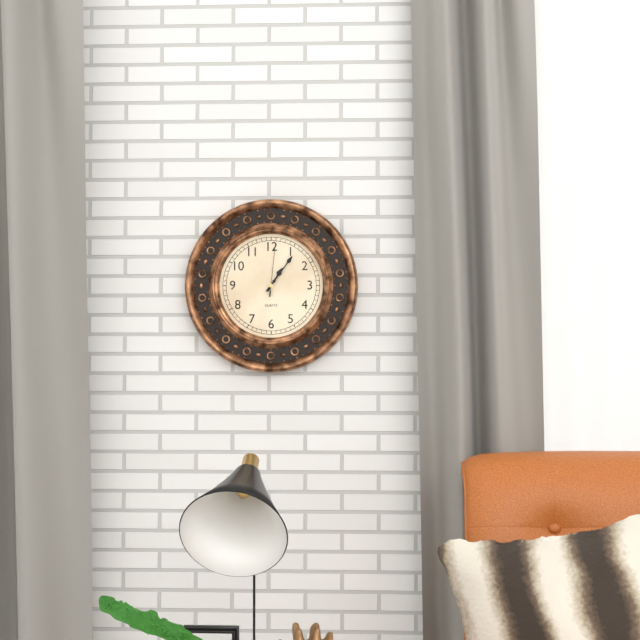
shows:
1,06,01
